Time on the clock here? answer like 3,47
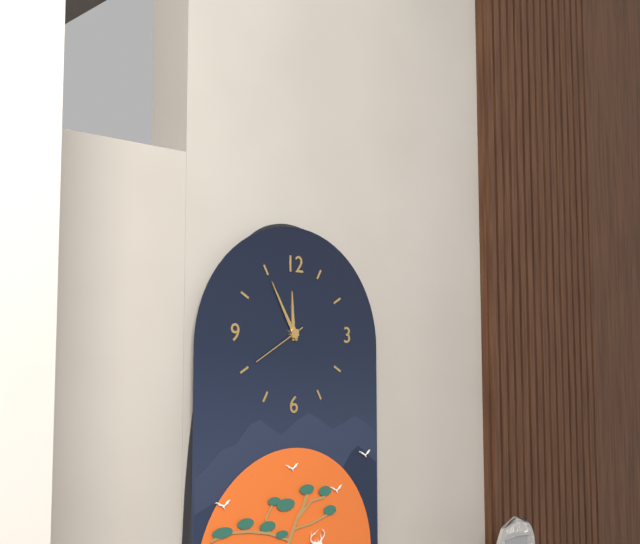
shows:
11,55
